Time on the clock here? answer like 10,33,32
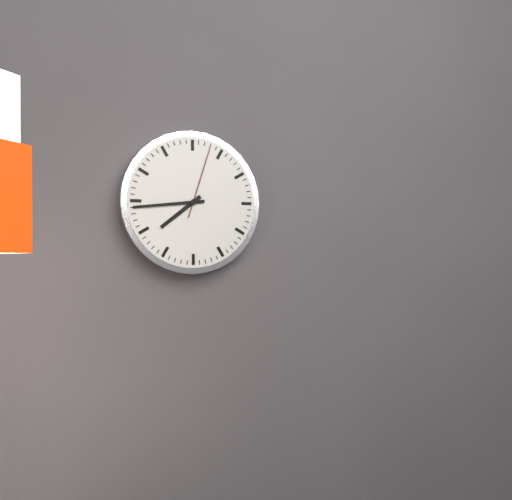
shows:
7,44,03
